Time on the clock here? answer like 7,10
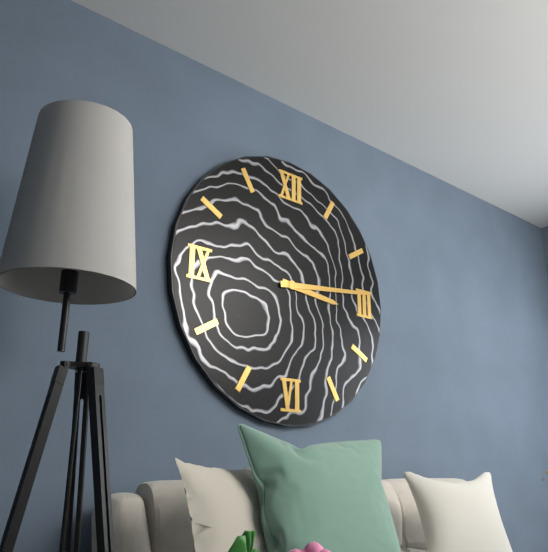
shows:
3,14
